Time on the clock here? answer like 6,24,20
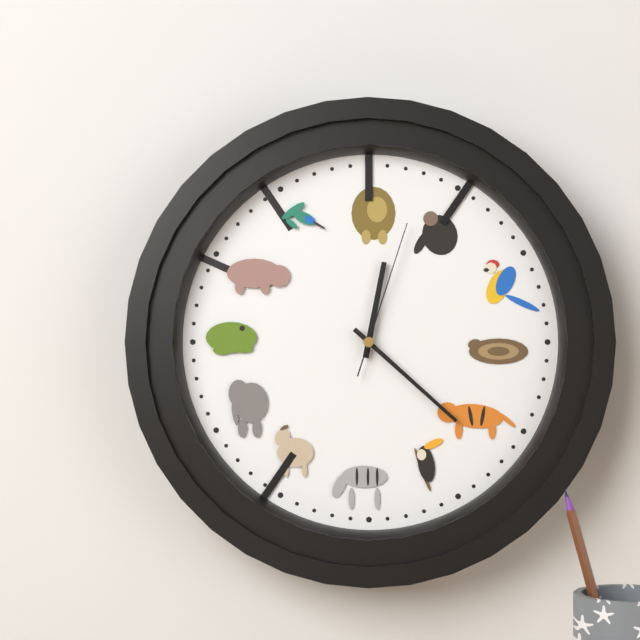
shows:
12,22,03
